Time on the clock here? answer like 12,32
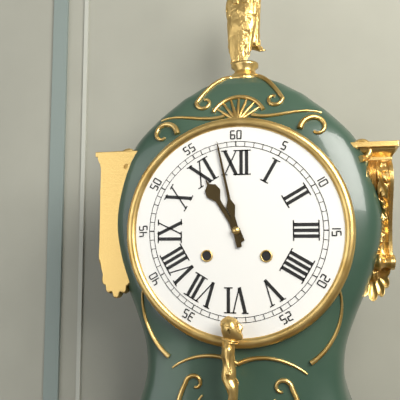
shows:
10,58
